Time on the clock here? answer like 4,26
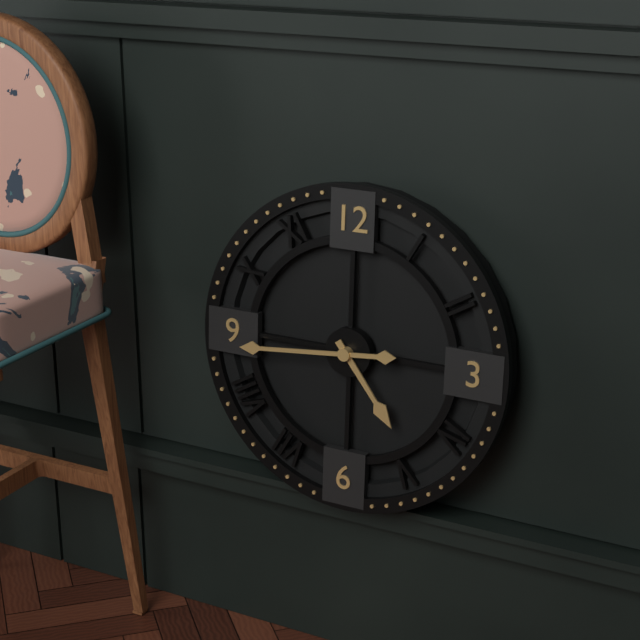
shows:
4,44
